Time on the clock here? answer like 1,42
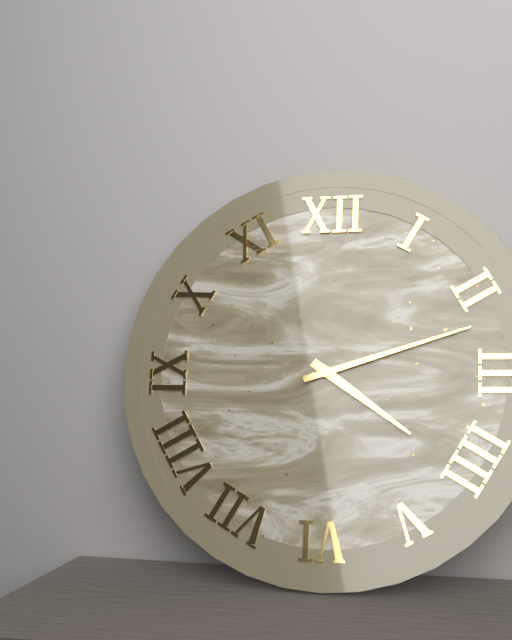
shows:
4,12
